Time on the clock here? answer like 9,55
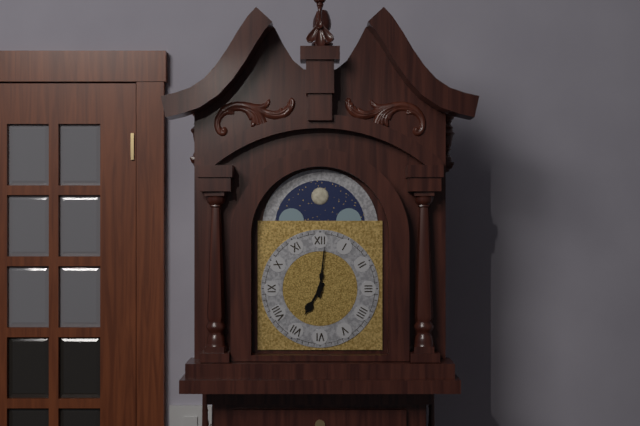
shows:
7,01
